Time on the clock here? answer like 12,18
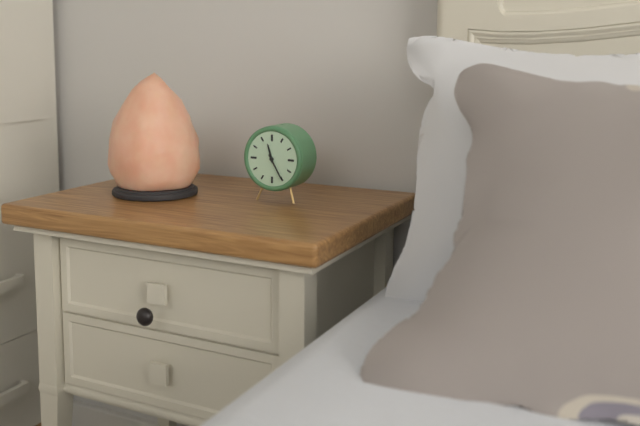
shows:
11,25
